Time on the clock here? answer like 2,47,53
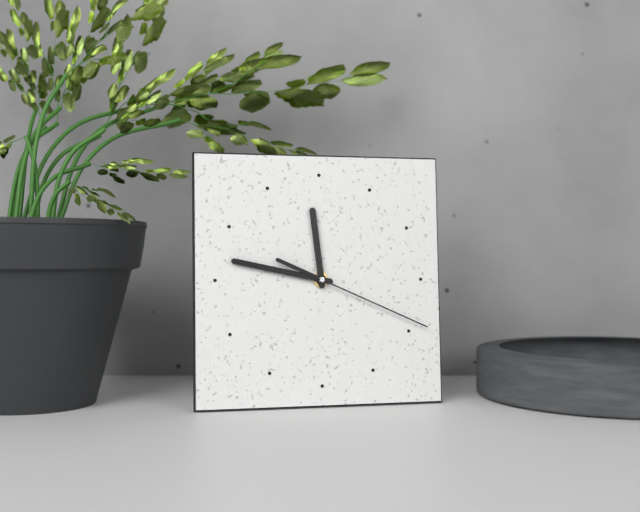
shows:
11,47,19
